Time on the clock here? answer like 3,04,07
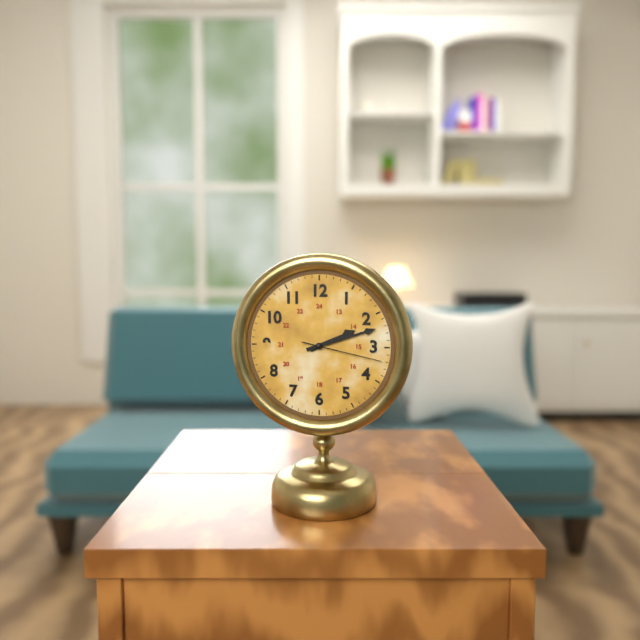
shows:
2,12,17
